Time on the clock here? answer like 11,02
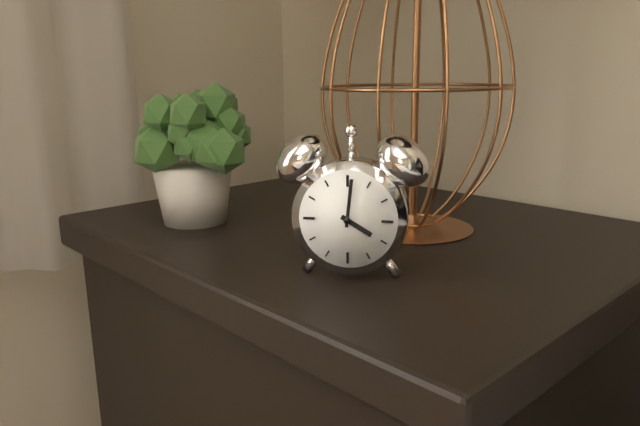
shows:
4,01
